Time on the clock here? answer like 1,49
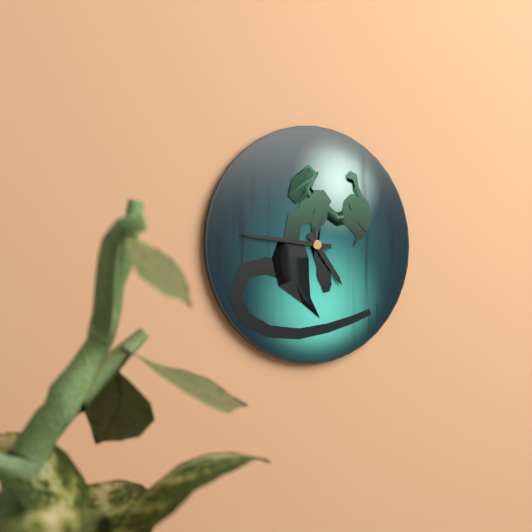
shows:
4,46
